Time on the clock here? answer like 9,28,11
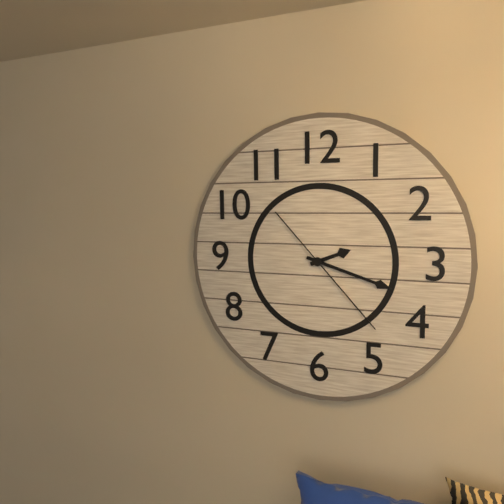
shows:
2,18,23
